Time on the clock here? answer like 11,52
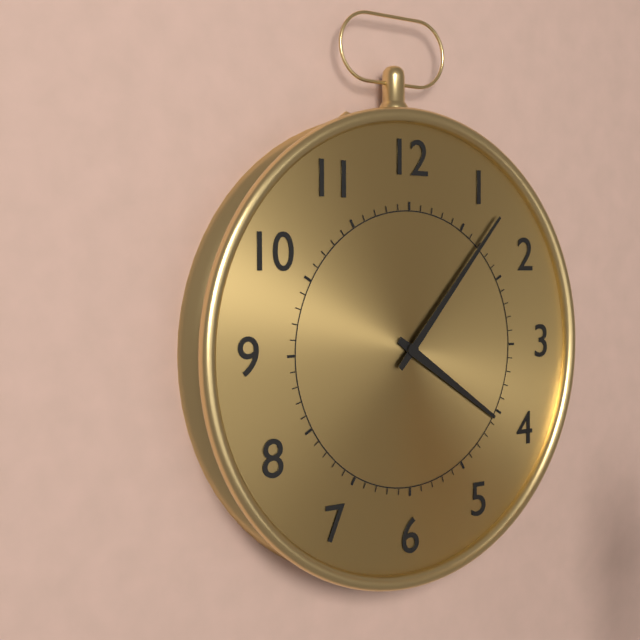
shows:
4,07
